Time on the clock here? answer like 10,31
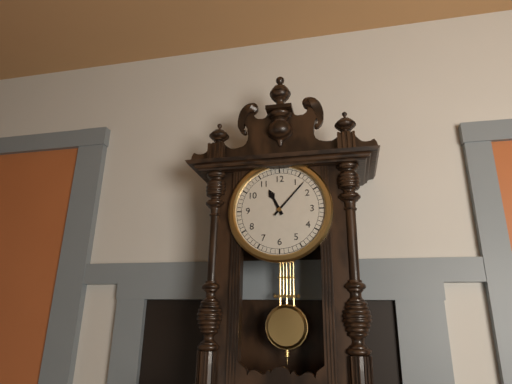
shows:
11,07
